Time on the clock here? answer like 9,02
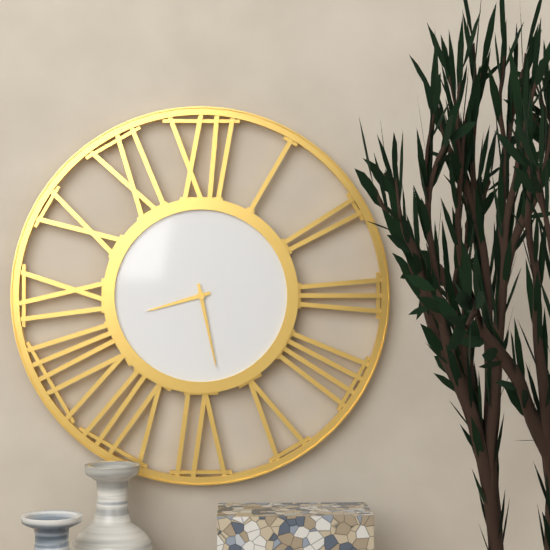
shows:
8,28
